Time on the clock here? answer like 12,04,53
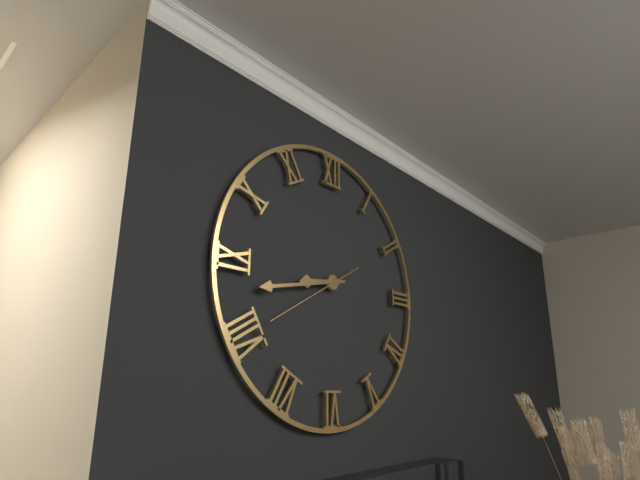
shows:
8,43,40
